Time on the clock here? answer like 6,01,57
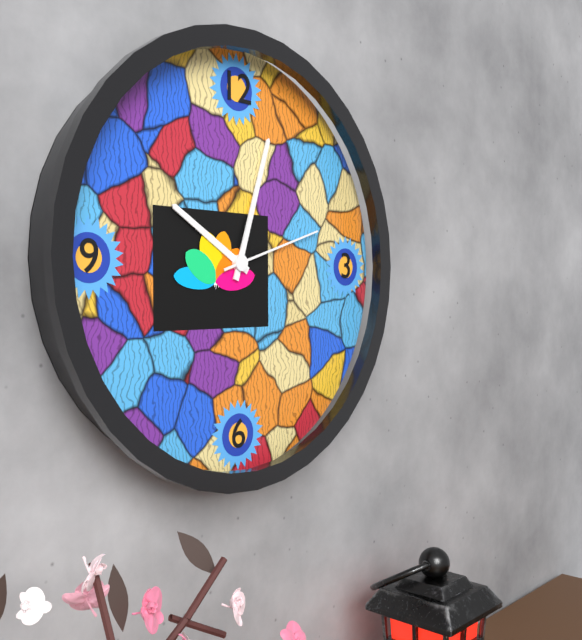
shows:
10,03,12
